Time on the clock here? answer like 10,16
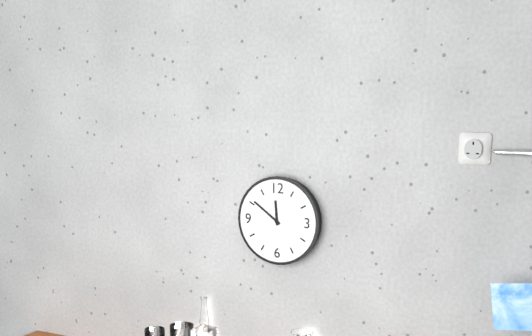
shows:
11,51
